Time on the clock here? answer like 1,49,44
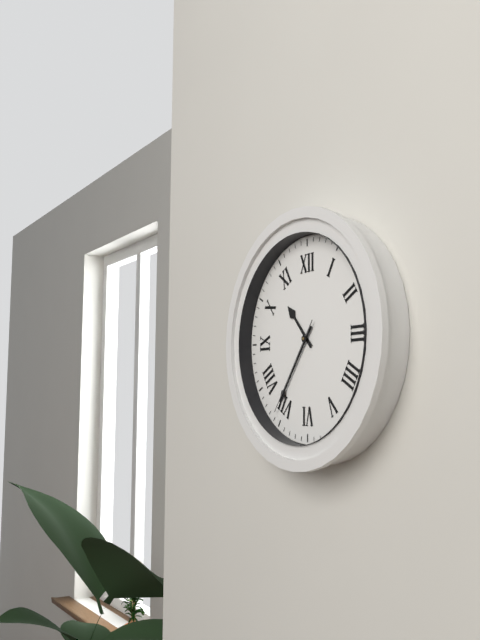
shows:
10,36,36
